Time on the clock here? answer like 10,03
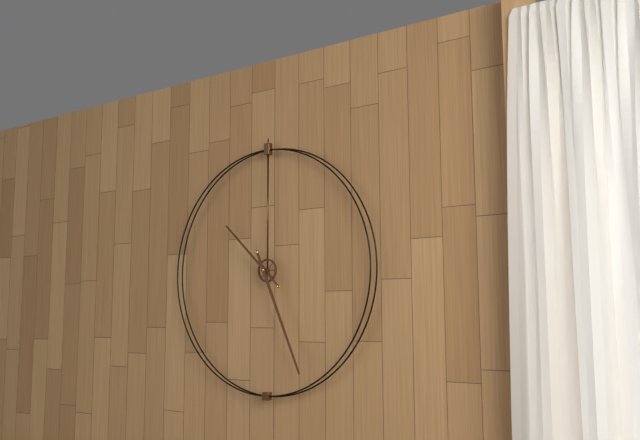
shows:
10,26
